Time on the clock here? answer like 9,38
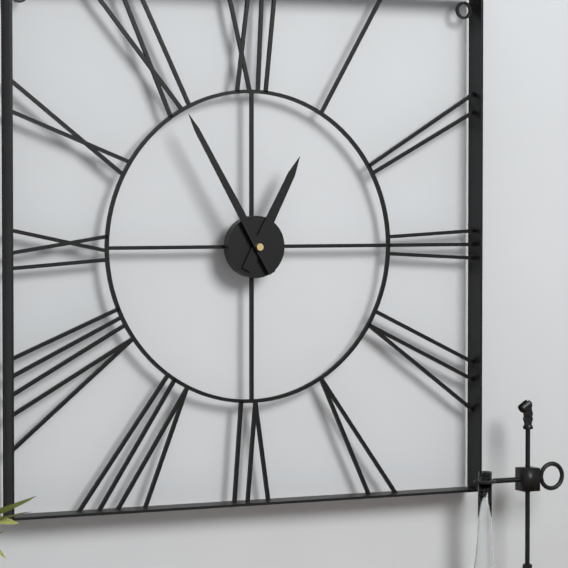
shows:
12,55
